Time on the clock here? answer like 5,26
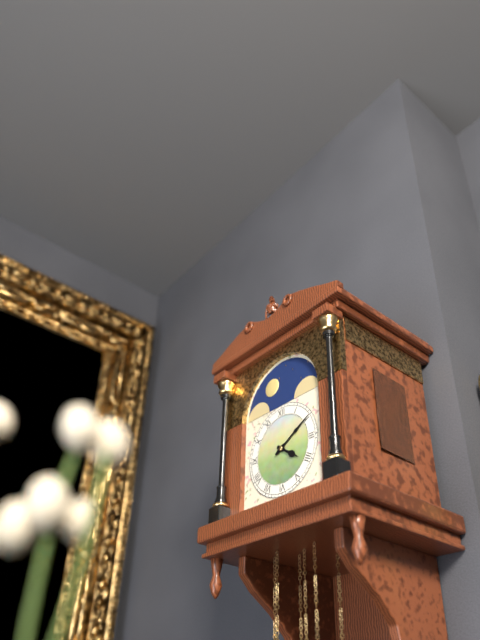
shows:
4,10
